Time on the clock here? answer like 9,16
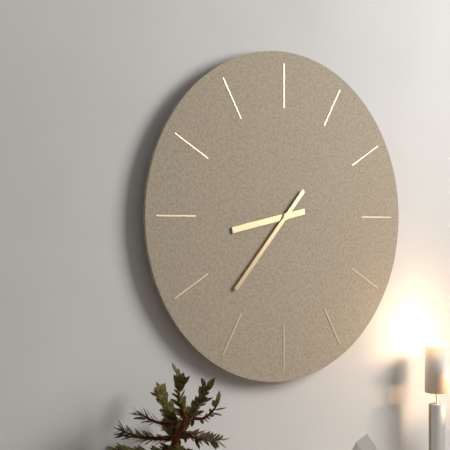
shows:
8,37
